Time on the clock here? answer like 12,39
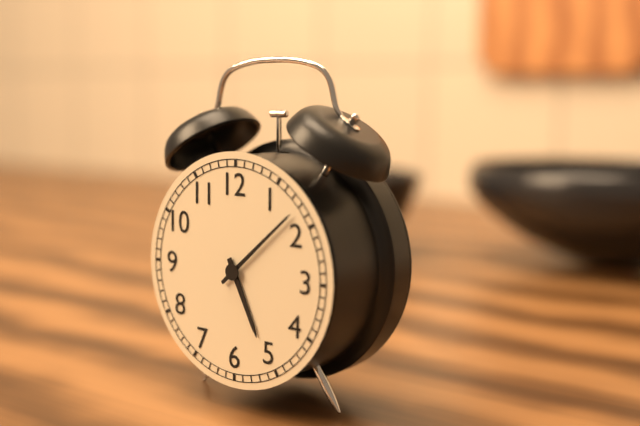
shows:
5,08
